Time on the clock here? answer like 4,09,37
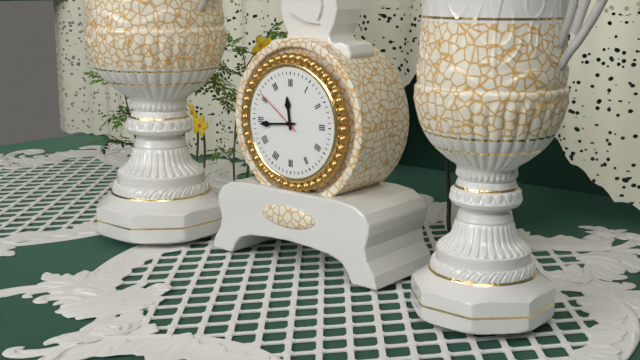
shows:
11,44,51
